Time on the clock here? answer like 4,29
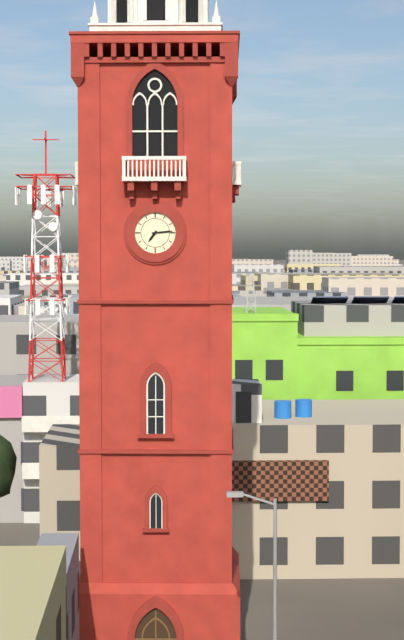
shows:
7,14
